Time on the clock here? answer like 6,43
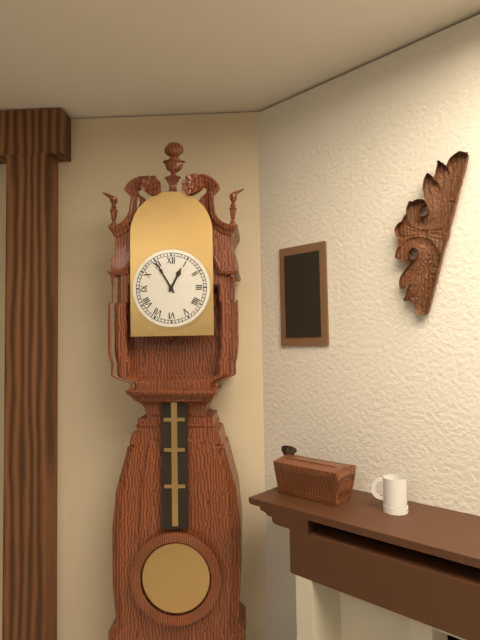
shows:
12,55
